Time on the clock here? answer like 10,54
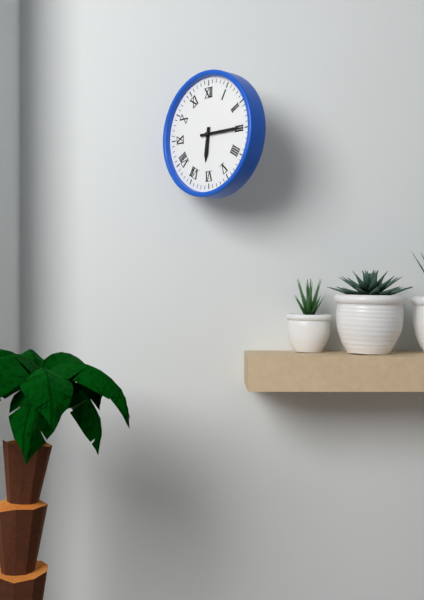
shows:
6,15
